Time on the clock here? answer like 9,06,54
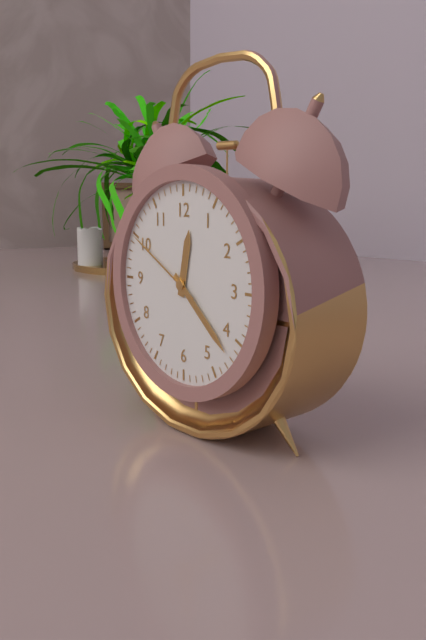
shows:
12,22,50
